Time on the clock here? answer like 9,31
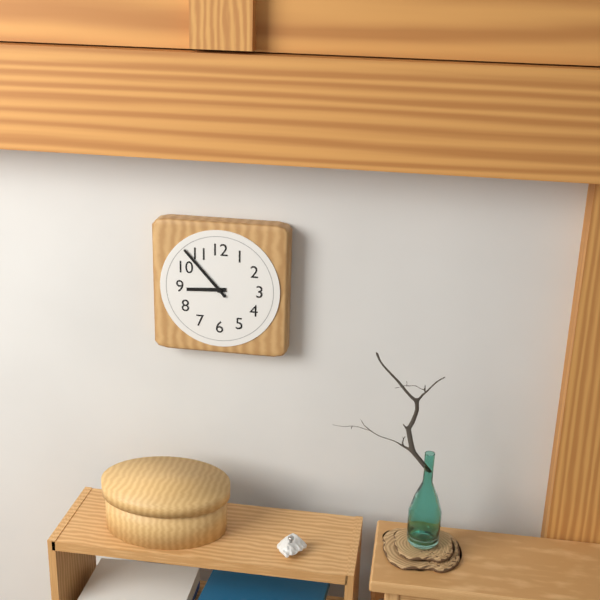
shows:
8,53
